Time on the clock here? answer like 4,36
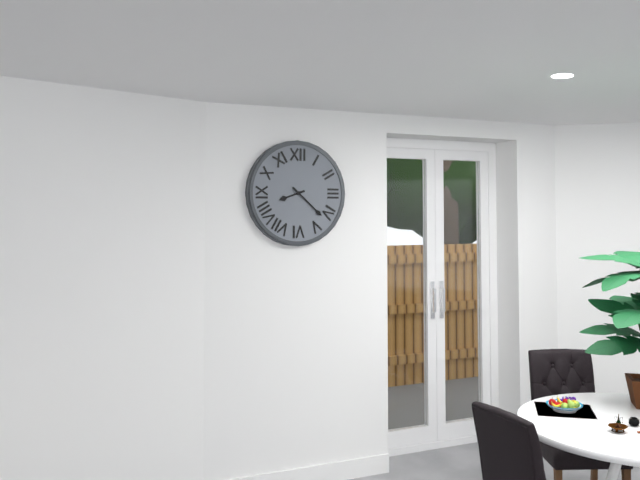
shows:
8,22
